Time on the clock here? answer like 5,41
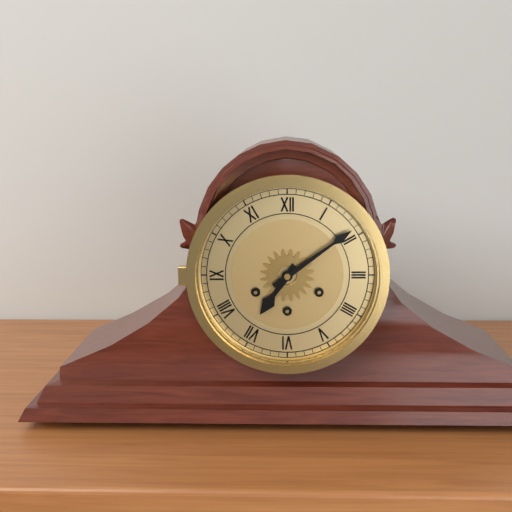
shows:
7,09
